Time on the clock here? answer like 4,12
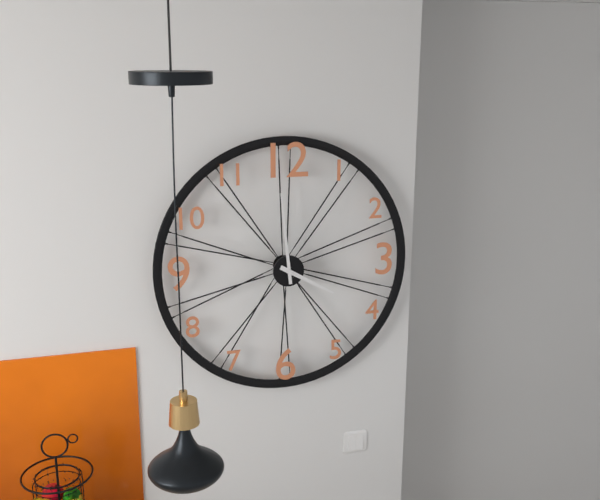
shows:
3,59
